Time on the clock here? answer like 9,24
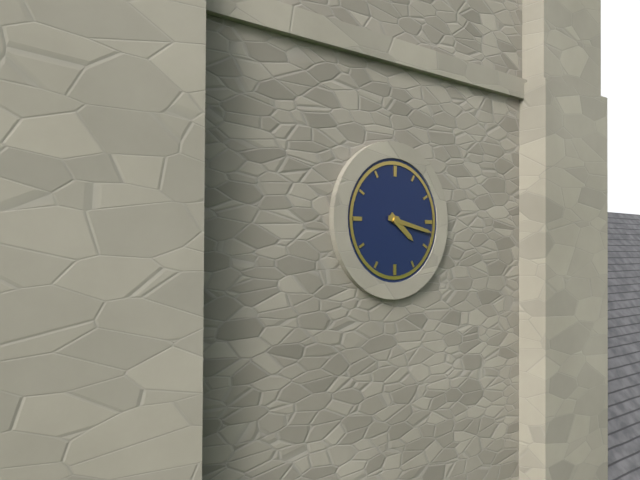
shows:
4,17
